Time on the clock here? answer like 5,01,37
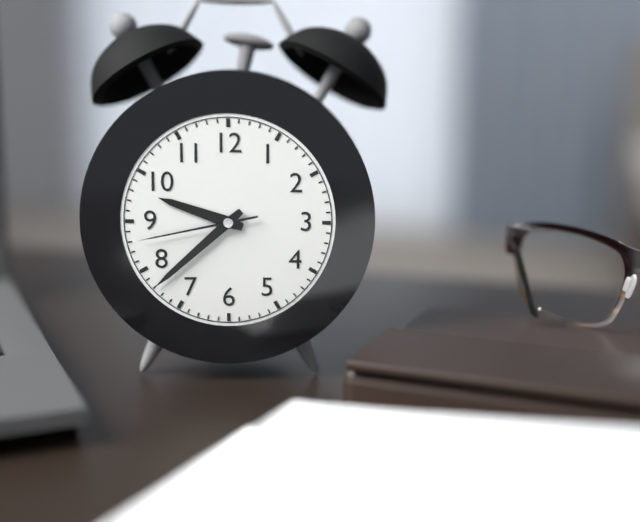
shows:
9,38,43
